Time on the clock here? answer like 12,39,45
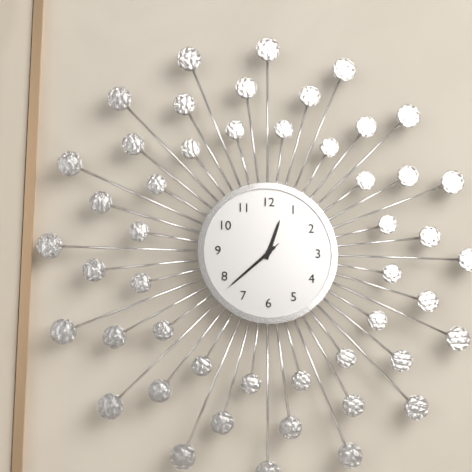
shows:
12,38,38
